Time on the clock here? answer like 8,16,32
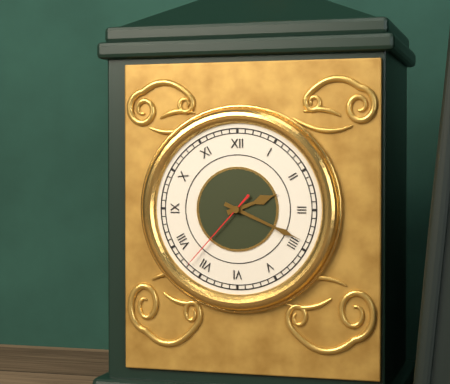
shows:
2,19,37
